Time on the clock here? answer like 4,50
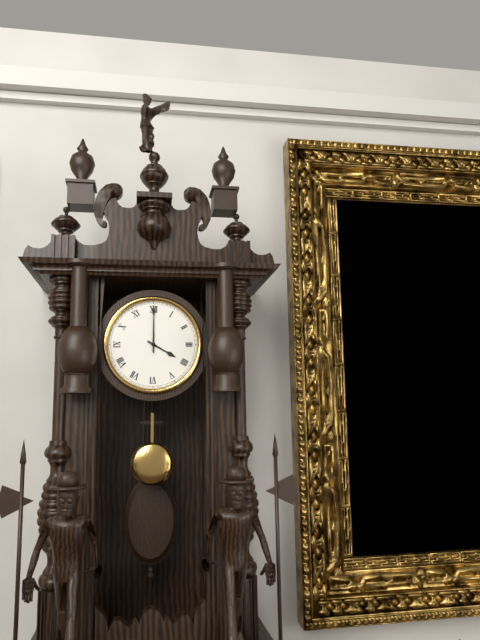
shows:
4,00
